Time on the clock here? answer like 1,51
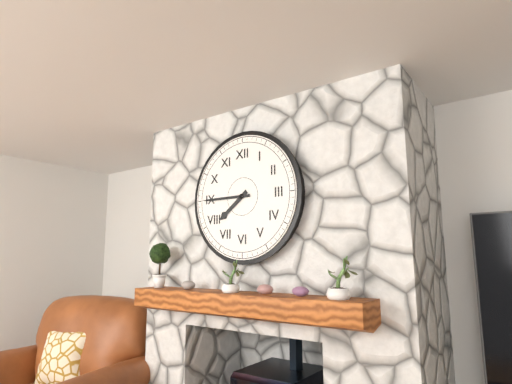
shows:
7,45
